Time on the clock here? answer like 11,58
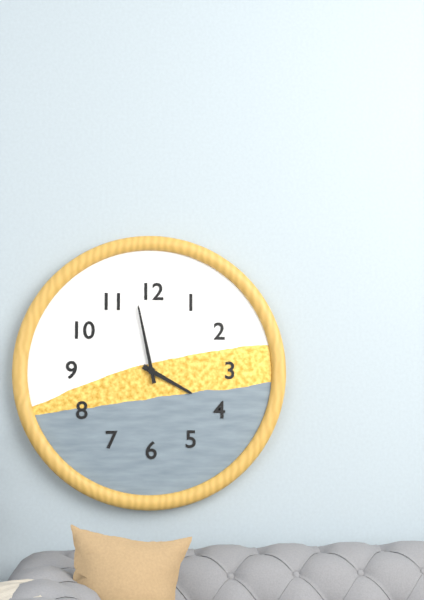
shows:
3,58
